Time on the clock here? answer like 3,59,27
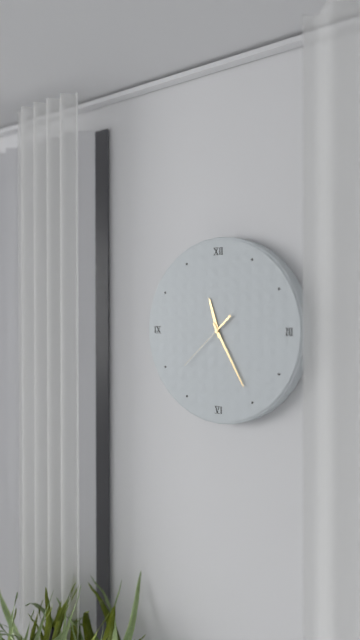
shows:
11,25,38
